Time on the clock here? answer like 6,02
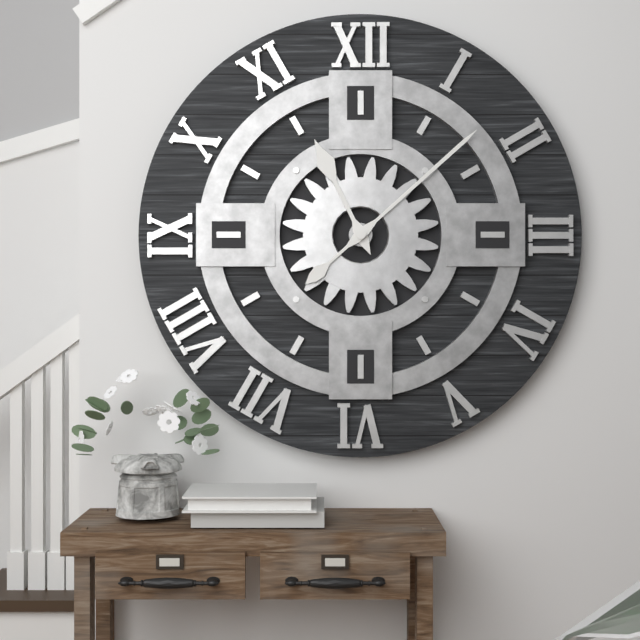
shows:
11,08
